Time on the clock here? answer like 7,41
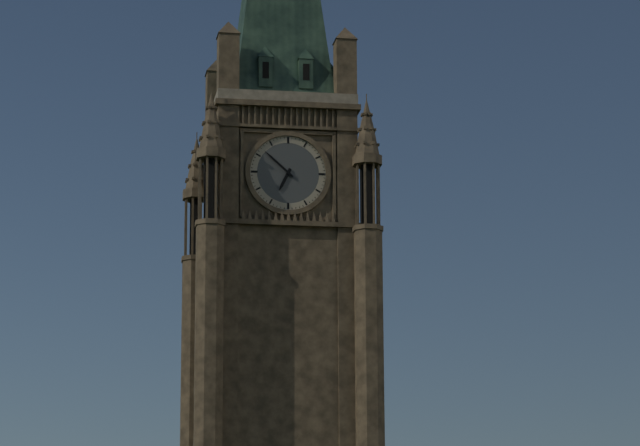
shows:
6,52
